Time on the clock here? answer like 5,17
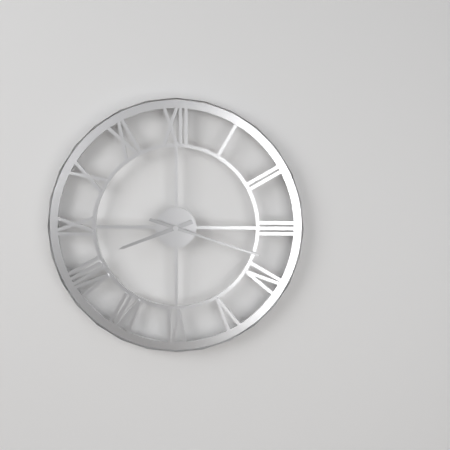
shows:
8,18
